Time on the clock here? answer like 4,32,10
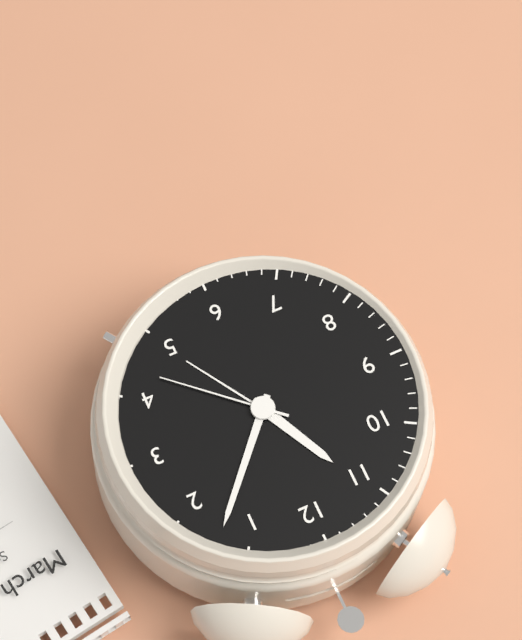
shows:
11,07,22
